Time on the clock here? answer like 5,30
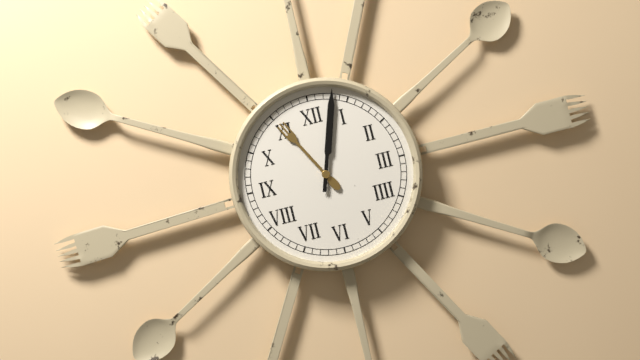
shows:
11,03
